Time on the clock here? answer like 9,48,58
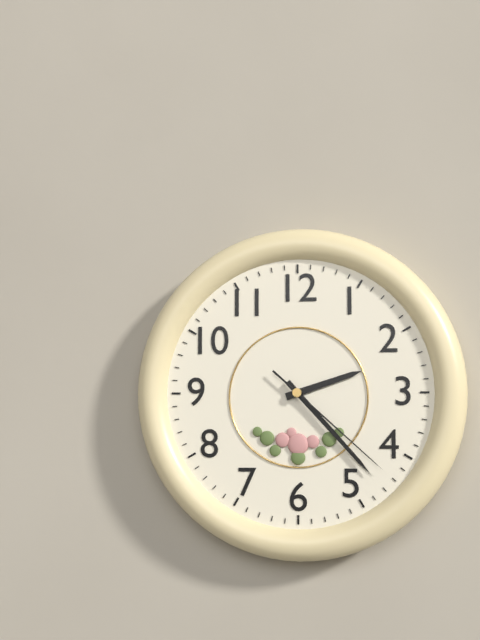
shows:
2,23,22
